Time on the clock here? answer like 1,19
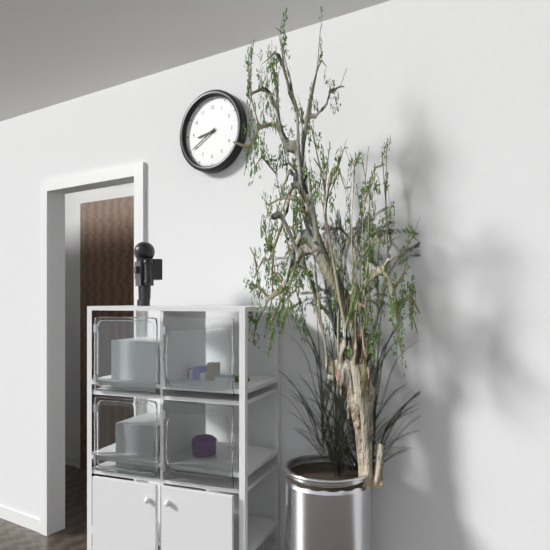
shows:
8,40
